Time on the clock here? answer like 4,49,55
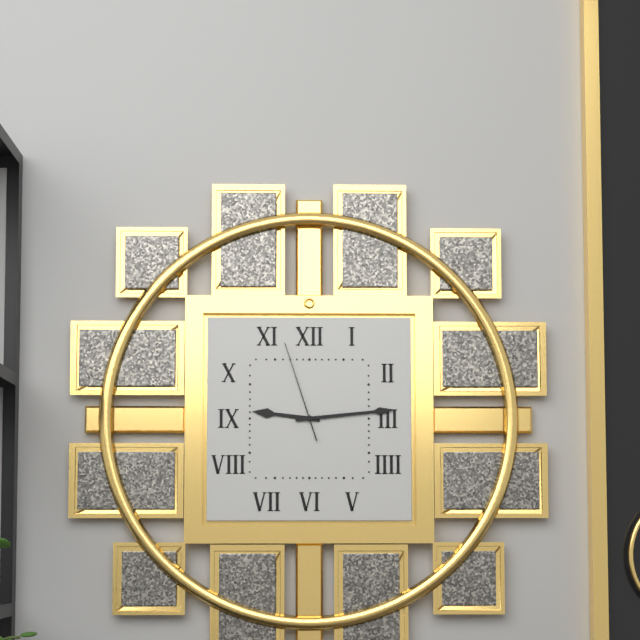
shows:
9,14,57
